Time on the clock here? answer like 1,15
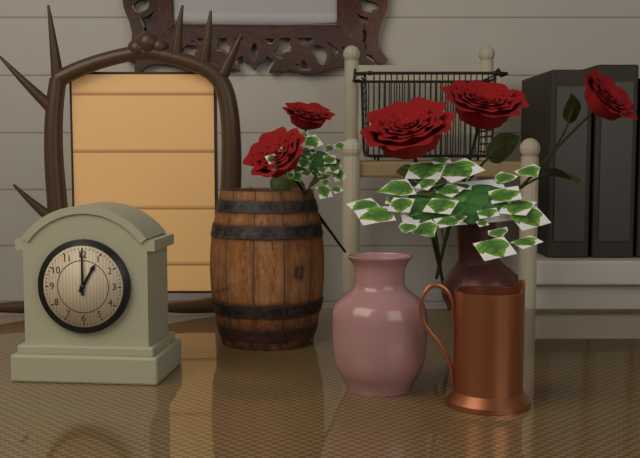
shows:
1,00
